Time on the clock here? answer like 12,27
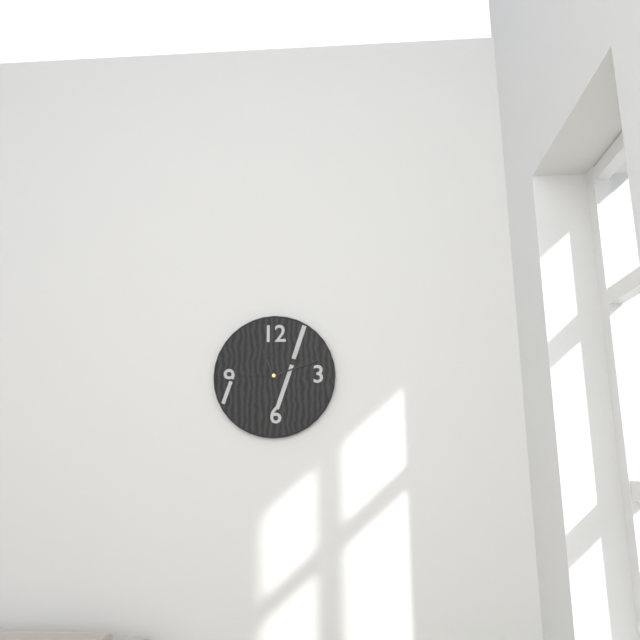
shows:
11,12
